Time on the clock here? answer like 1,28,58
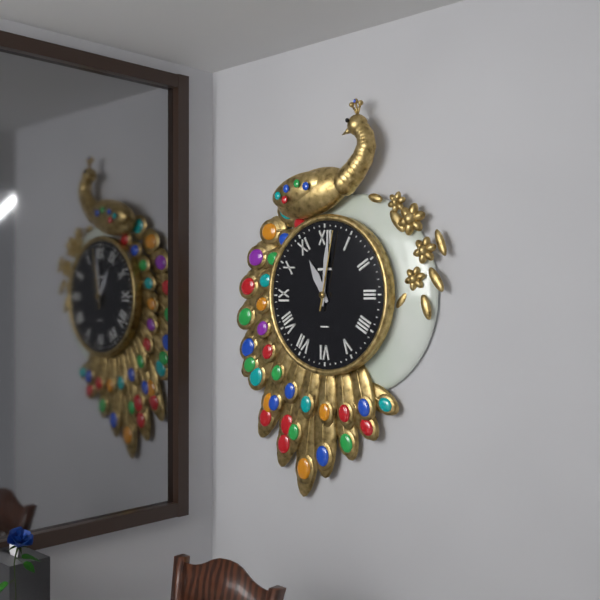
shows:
11,01,02
